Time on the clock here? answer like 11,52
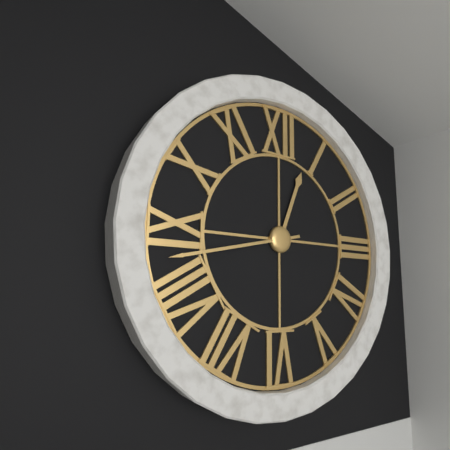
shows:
12,43
